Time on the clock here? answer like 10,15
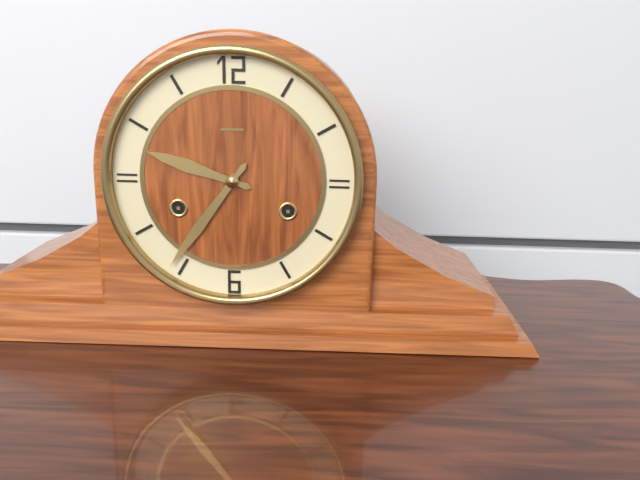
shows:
9,36
